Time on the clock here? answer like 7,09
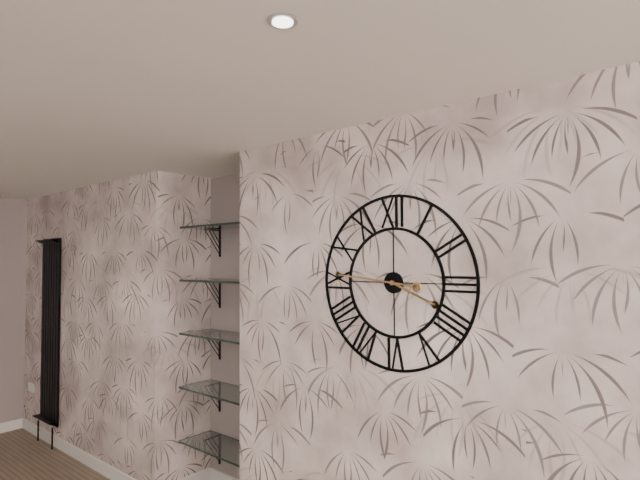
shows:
3,46
